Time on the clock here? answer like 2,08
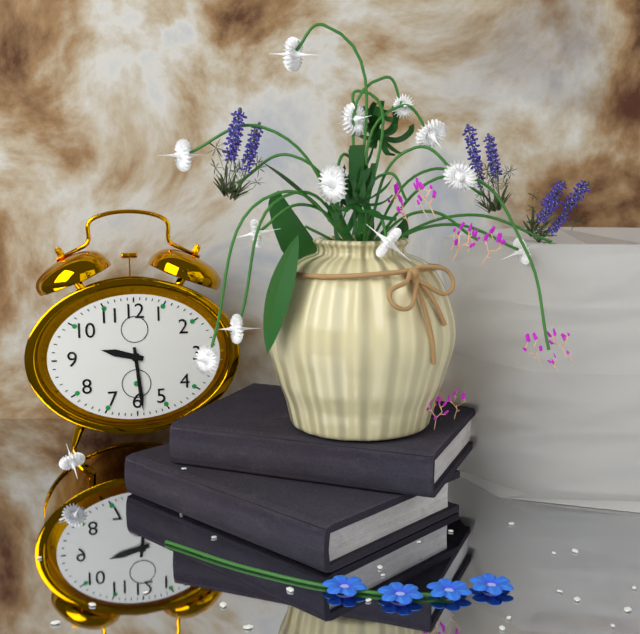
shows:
9,29
